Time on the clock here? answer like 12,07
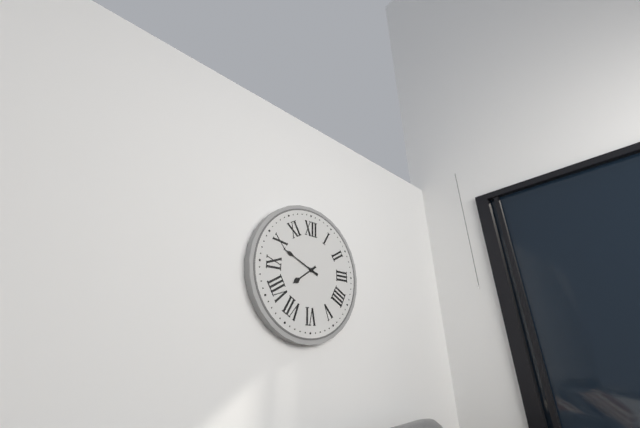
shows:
7,49
